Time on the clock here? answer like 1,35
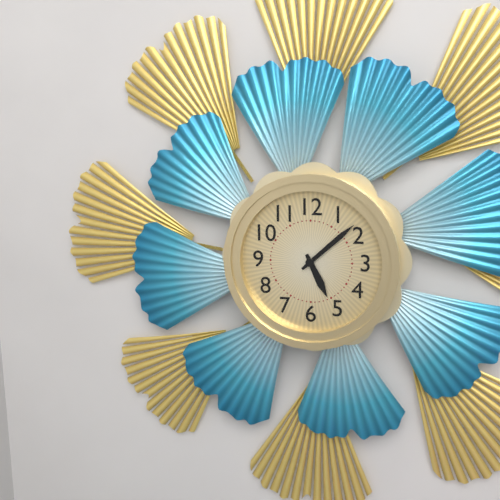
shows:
5,08
